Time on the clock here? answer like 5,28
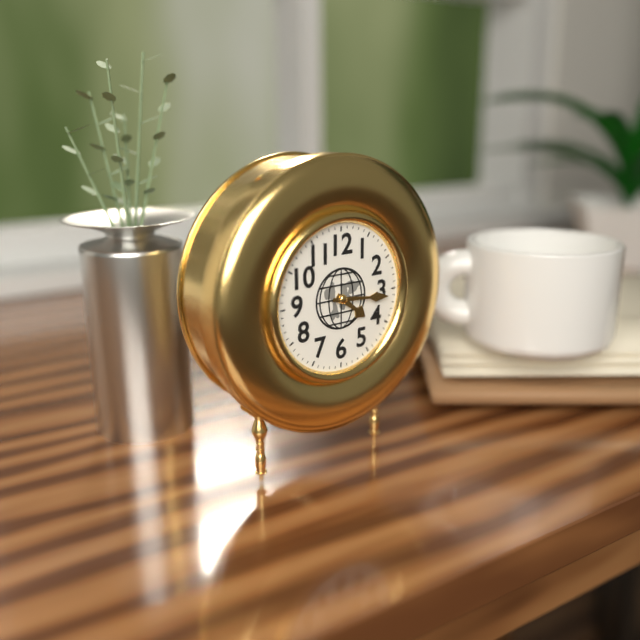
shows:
4,16
